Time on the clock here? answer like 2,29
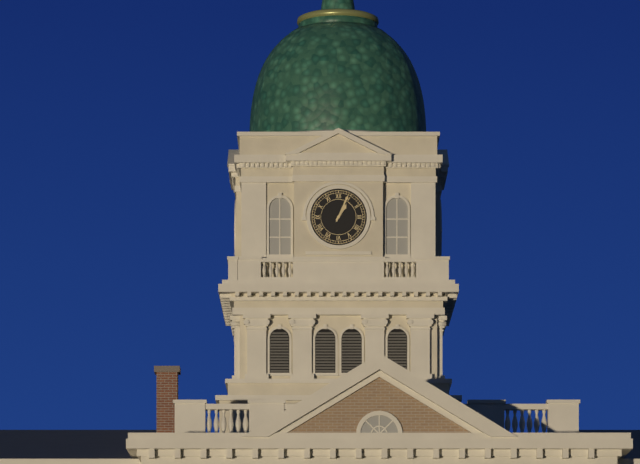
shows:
1,04
